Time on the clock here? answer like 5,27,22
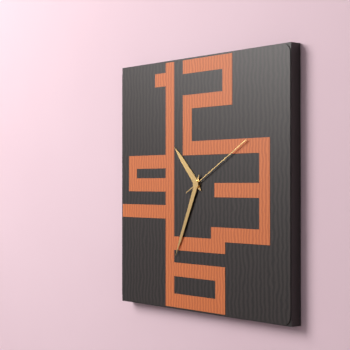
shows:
10,34,10
